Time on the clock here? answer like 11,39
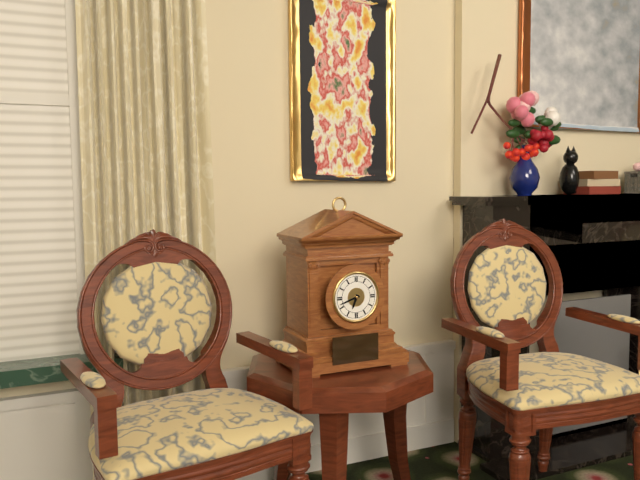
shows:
6,42
